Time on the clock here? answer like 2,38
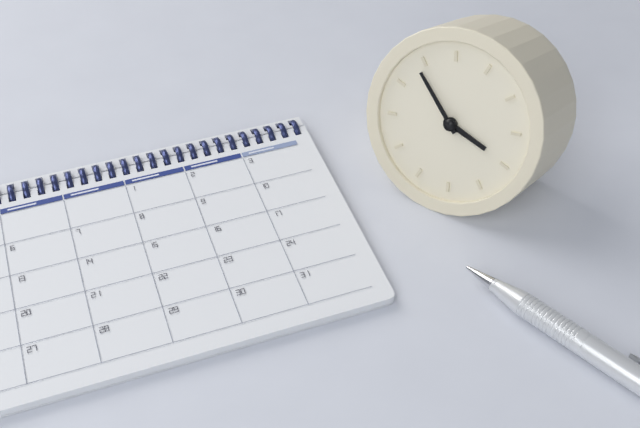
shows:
3,54
